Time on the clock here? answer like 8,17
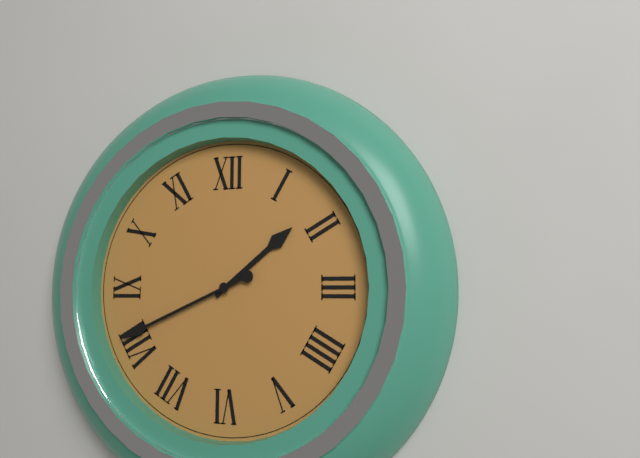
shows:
1,41
